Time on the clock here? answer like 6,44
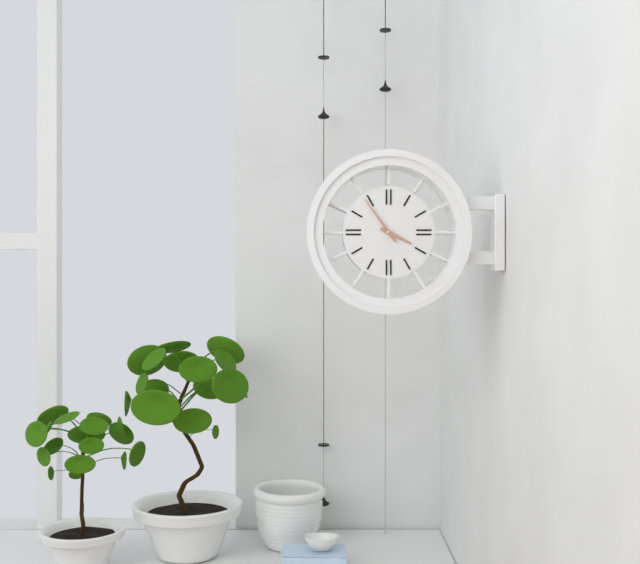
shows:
3,54
